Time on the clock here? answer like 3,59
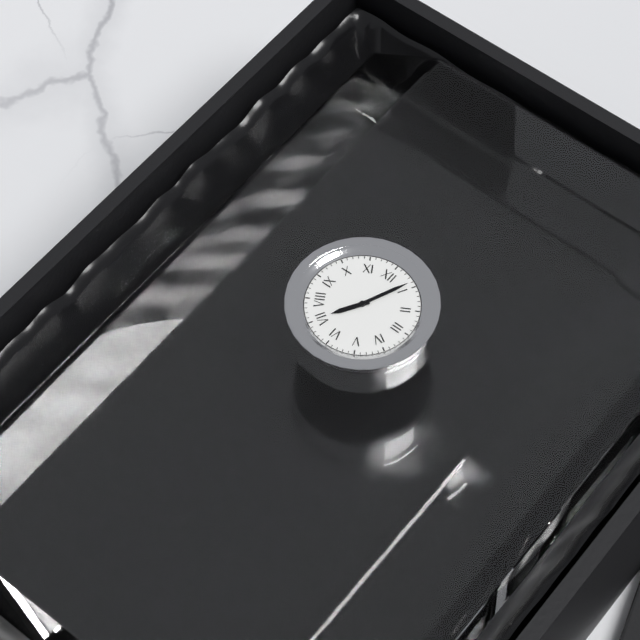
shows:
7,04
